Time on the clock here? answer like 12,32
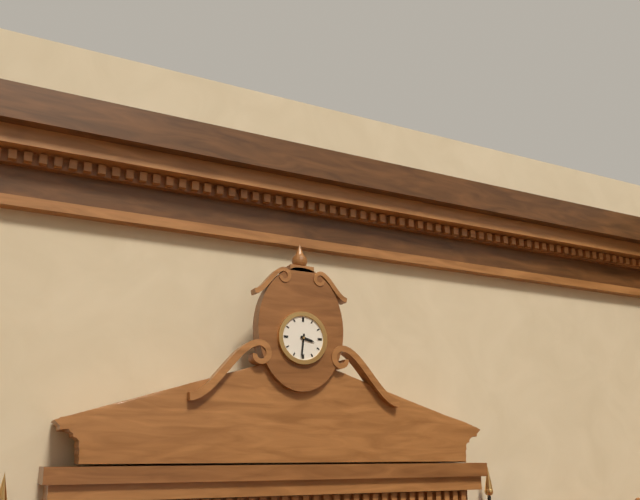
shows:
3,31
